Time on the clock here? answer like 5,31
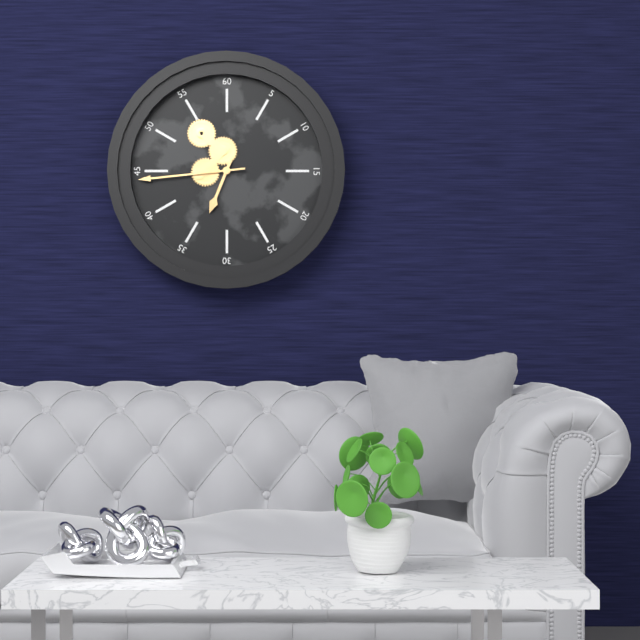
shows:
6,44
